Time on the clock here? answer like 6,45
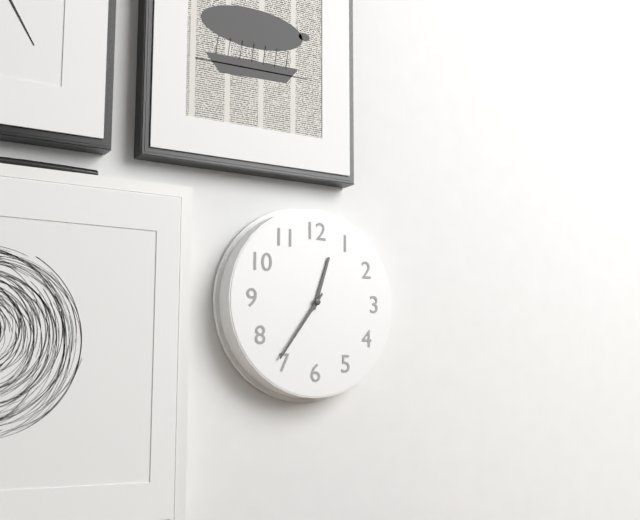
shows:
12,36
